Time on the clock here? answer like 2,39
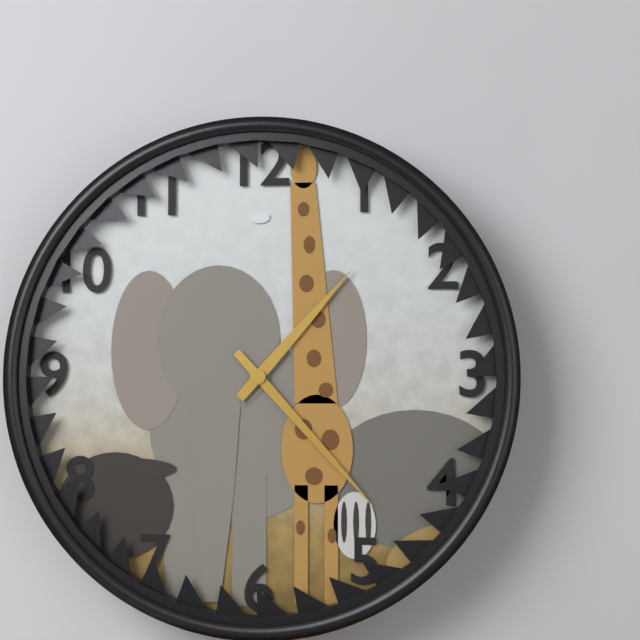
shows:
1,23
